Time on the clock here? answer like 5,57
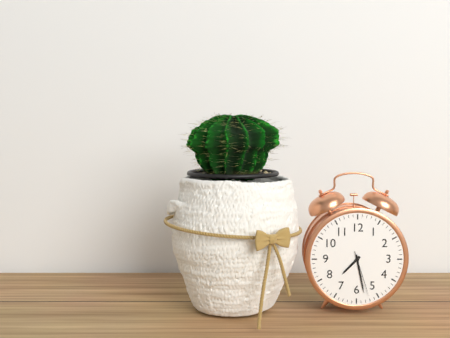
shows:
7,28
